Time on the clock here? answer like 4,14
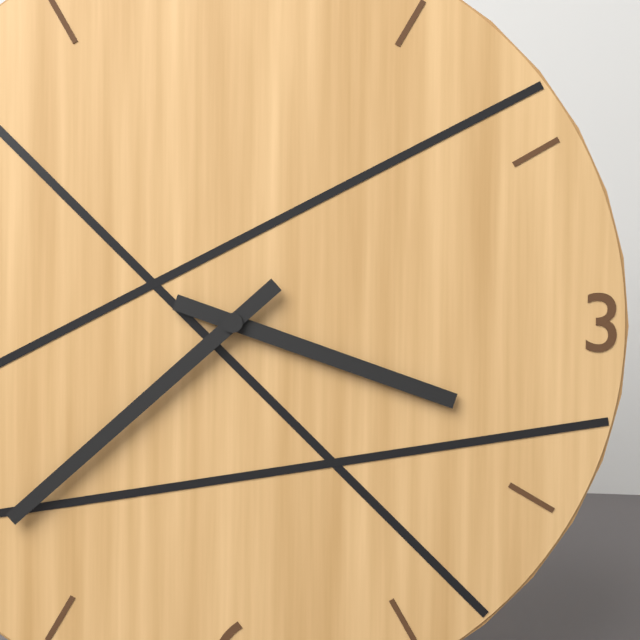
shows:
3,38
